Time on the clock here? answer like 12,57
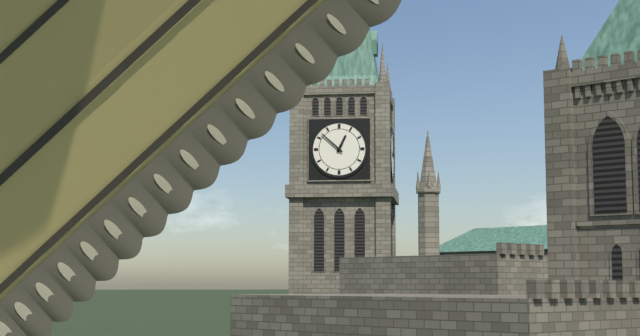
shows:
12,52
